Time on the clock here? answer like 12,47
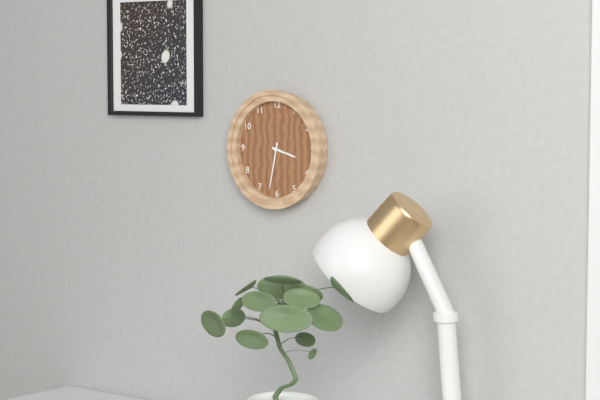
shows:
3,32
